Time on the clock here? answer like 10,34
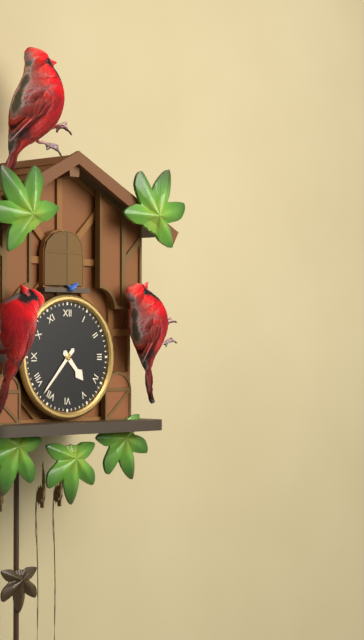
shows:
4,37
